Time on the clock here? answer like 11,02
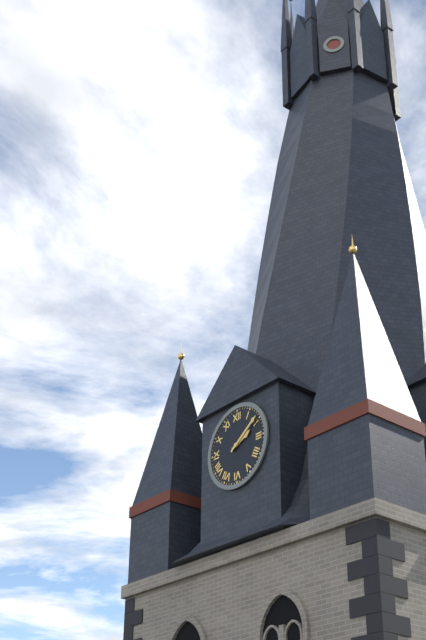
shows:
2,09
